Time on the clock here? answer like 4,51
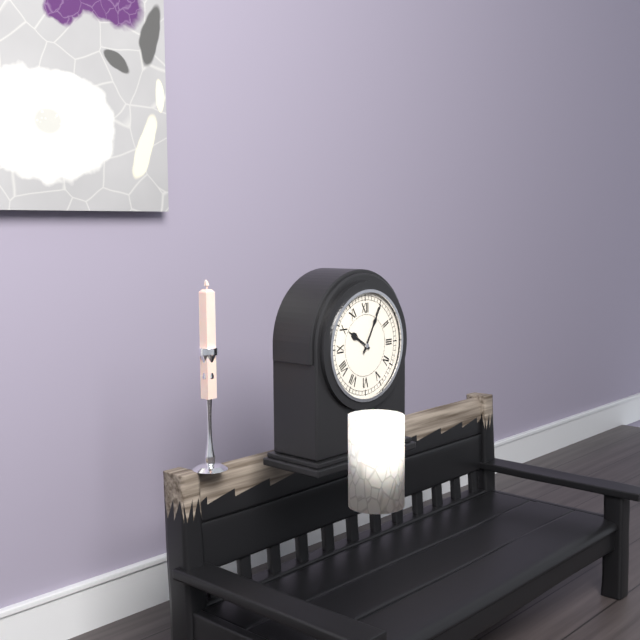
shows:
10,05
